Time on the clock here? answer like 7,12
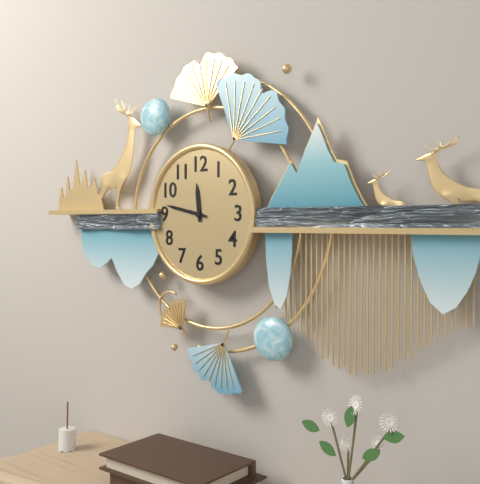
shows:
11,47
